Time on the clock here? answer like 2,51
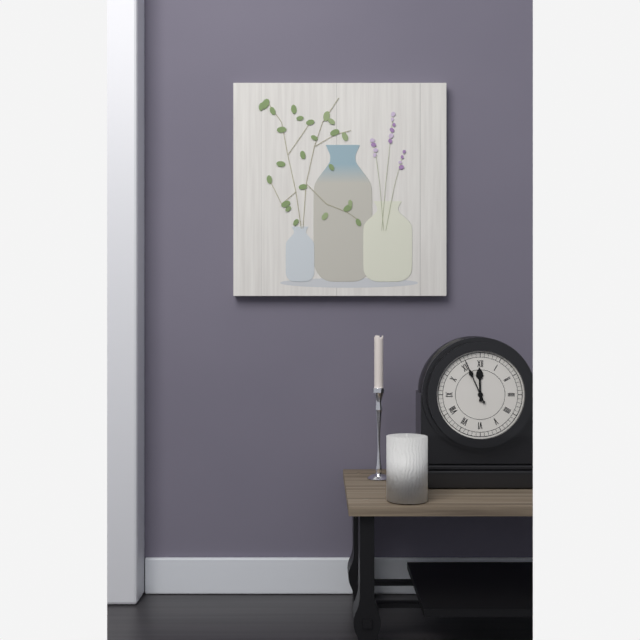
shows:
11,56
